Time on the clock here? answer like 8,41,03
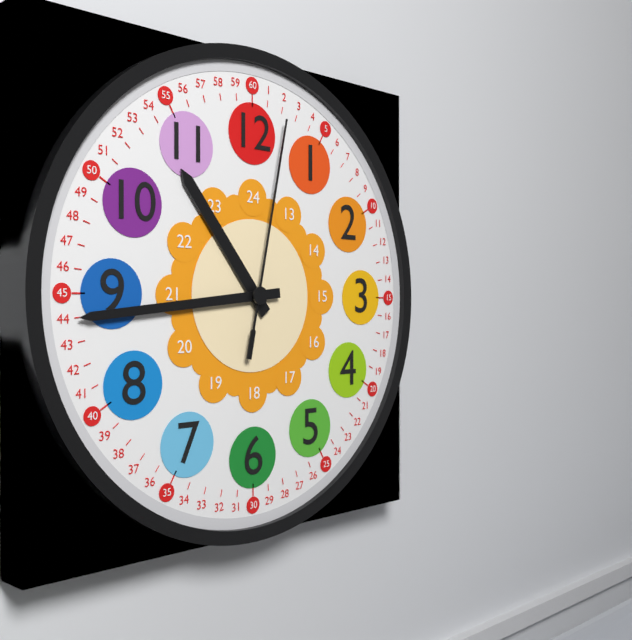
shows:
10,44,02
